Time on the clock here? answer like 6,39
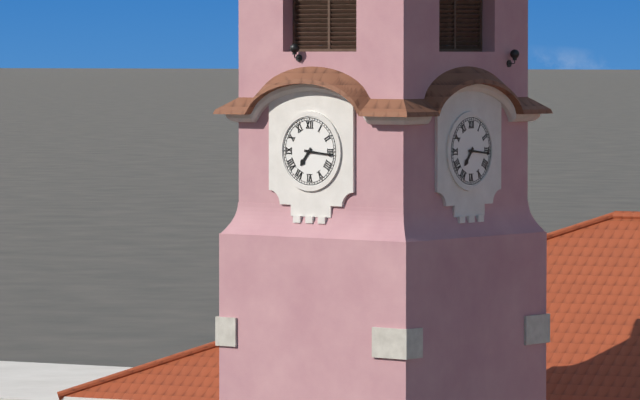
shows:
7,16
